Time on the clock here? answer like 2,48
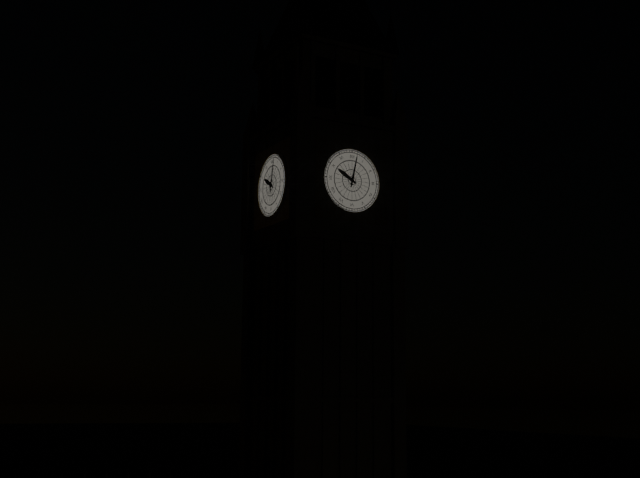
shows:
10,02
